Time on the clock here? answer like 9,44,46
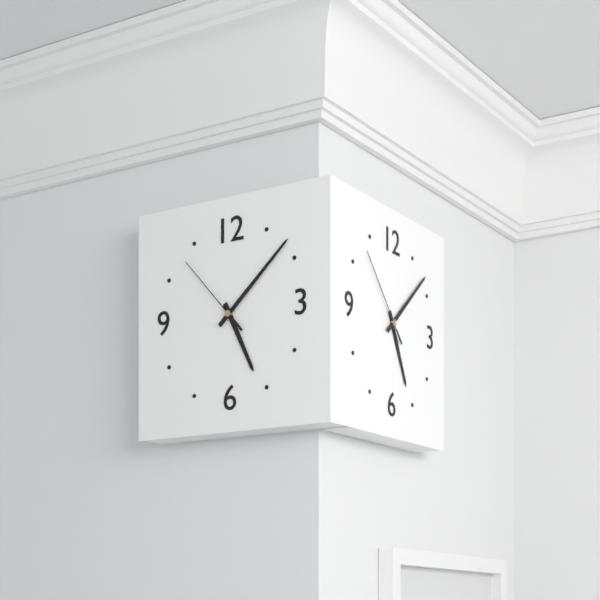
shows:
5,08,53
